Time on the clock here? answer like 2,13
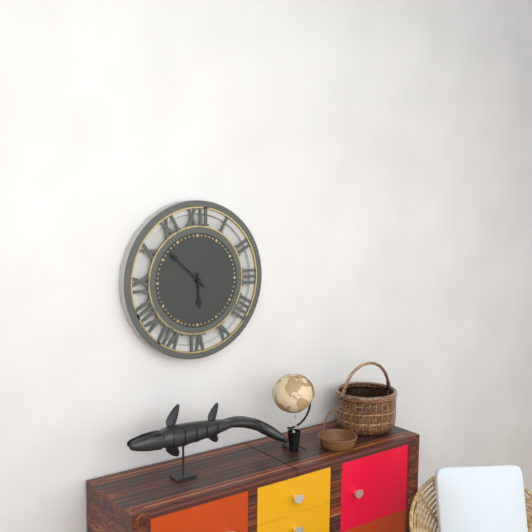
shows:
5,52
